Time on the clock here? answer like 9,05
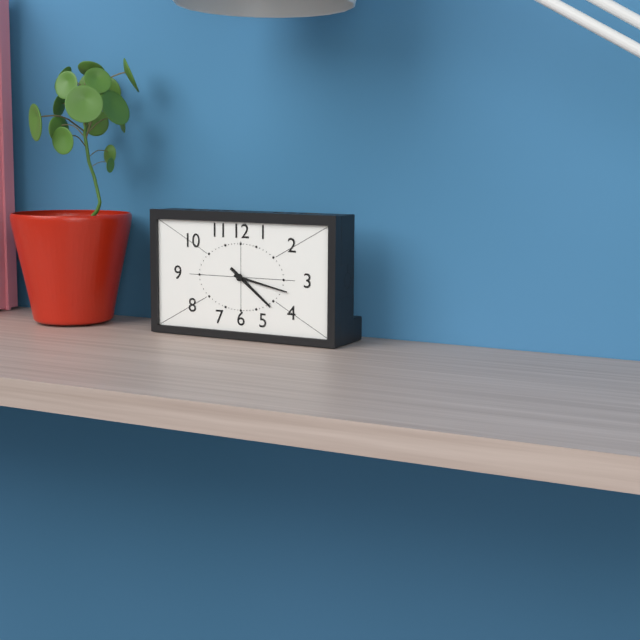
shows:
4,17
